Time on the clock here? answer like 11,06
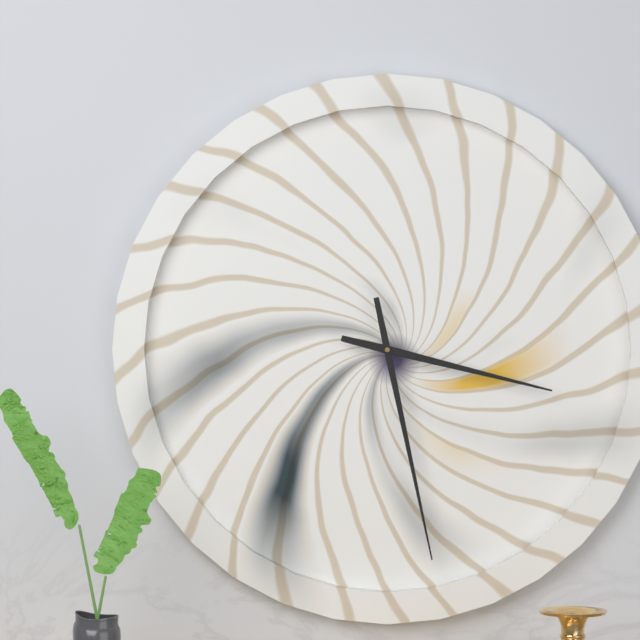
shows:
3,28
